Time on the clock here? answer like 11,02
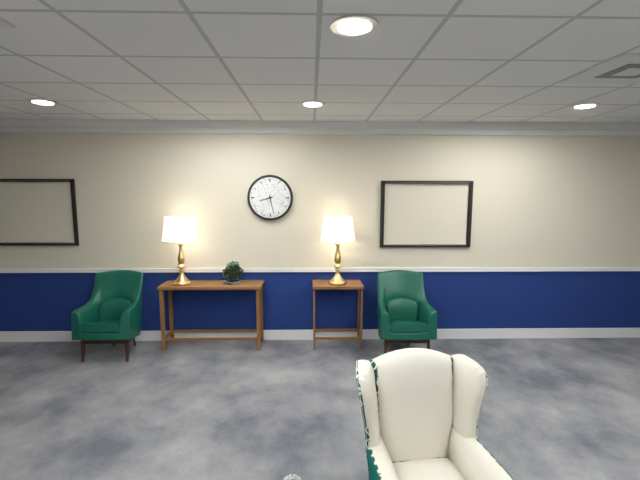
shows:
8,28
